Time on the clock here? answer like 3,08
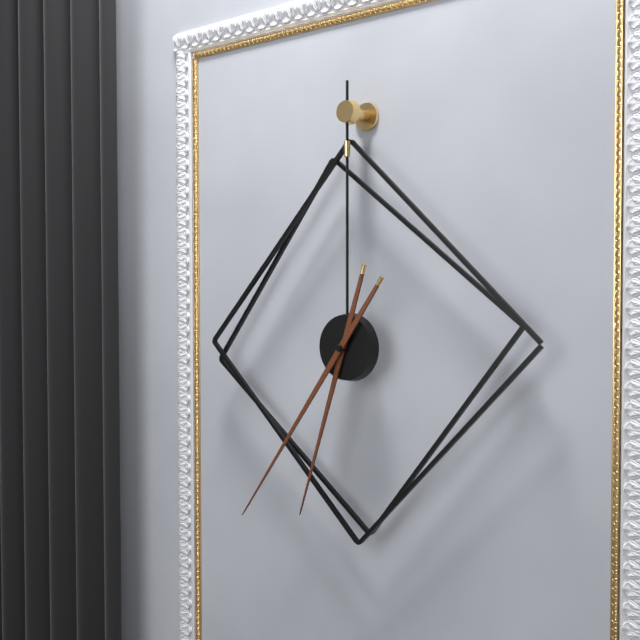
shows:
6,36
